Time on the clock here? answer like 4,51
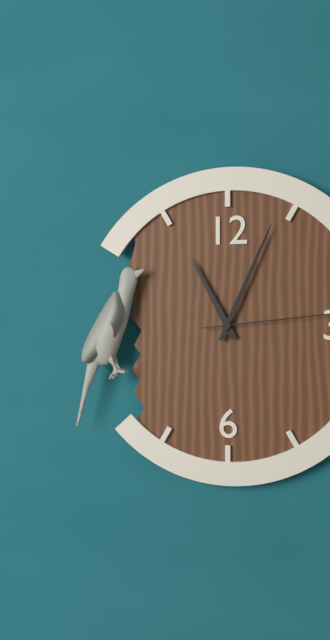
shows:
11,04
